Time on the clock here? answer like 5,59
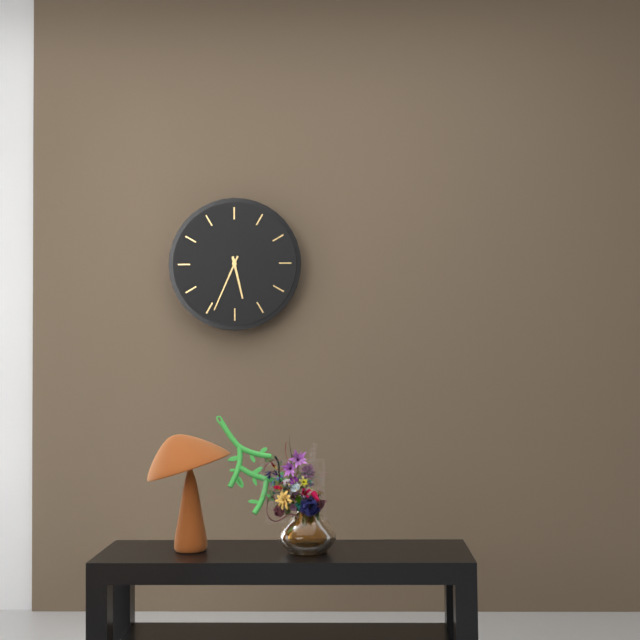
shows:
5,34
